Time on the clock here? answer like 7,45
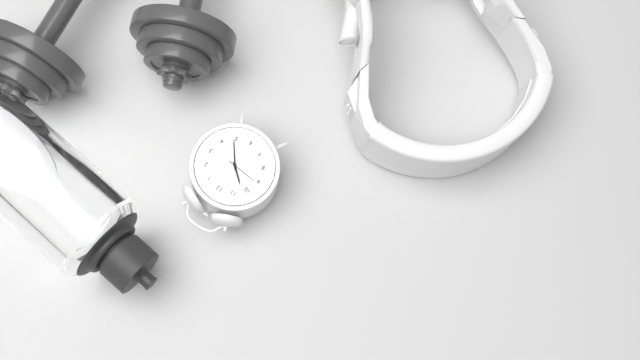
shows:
10,24
